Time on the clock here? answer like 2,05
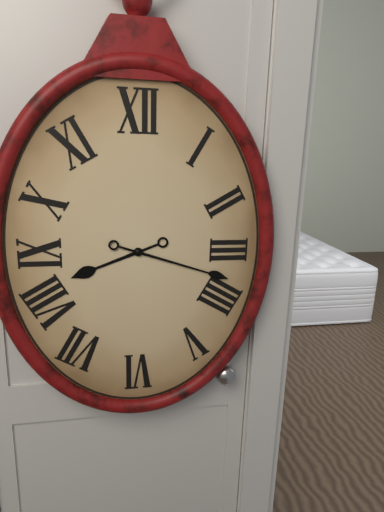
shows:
8,18
